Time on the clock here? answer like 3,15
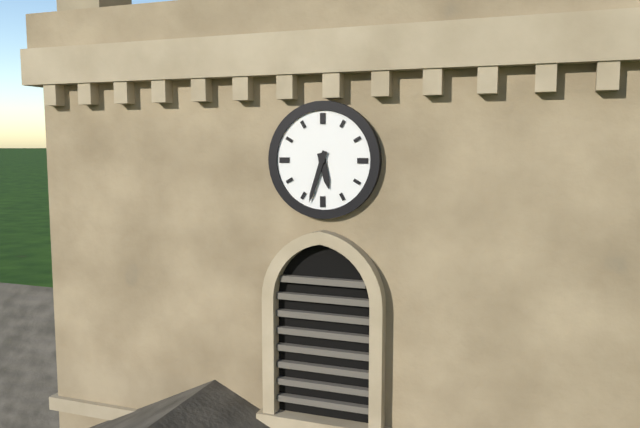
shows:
5,33
